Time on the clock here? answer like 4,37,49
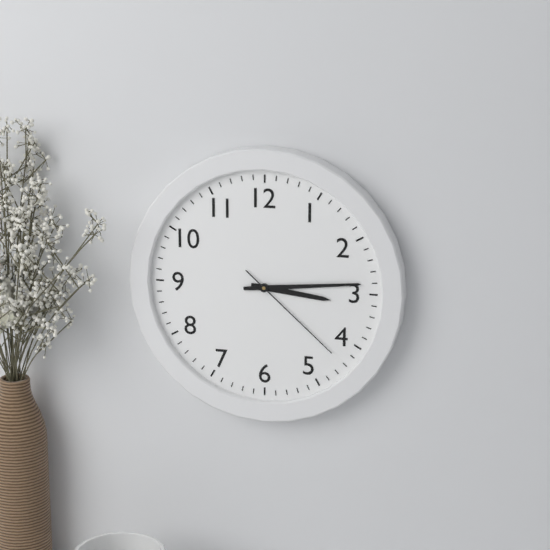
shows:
3,14,22
